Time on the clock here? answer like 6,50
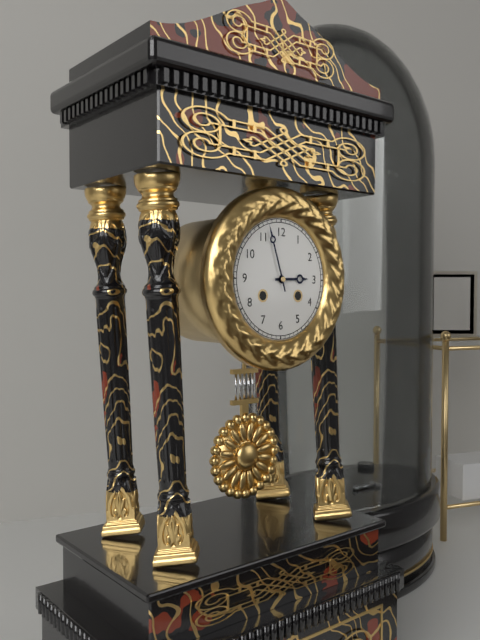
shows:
2,57
